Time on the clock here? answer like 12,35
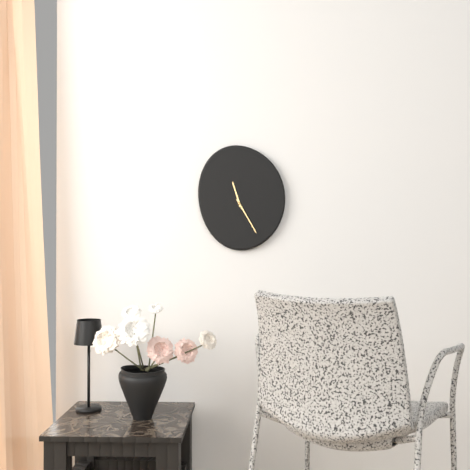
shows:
11,25
